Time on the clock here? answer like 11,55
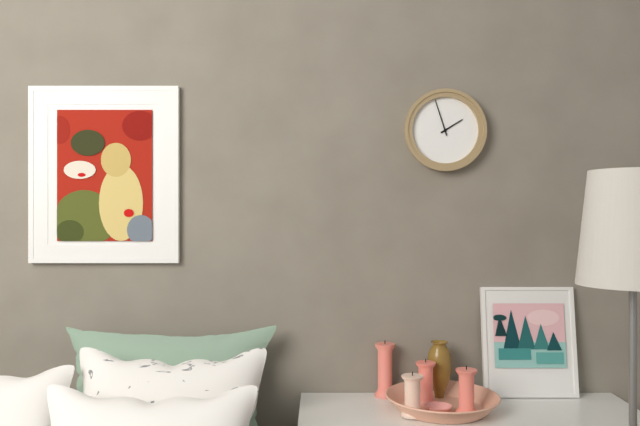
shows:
1,57
